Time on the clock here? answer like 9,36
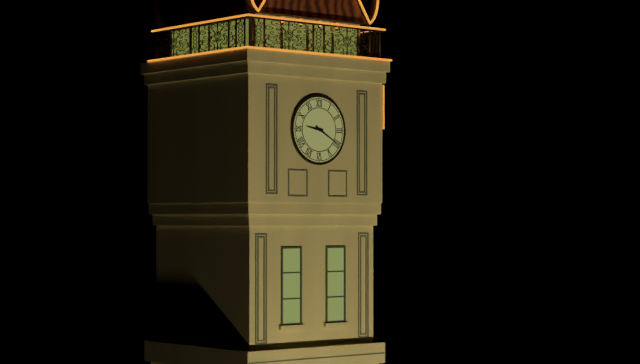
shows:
9,20
